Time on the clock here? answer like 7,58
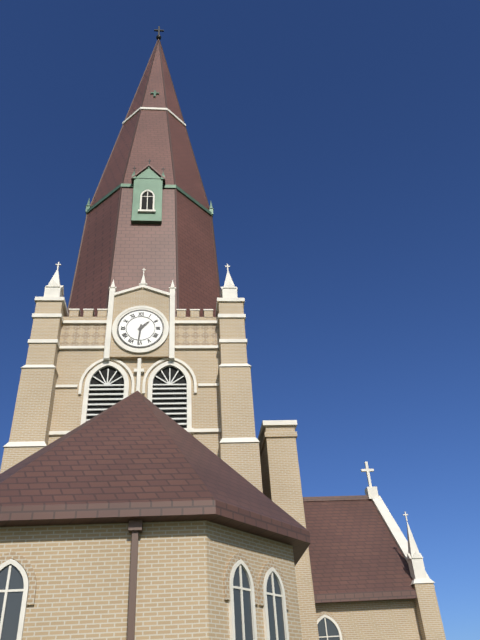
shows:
1,31
